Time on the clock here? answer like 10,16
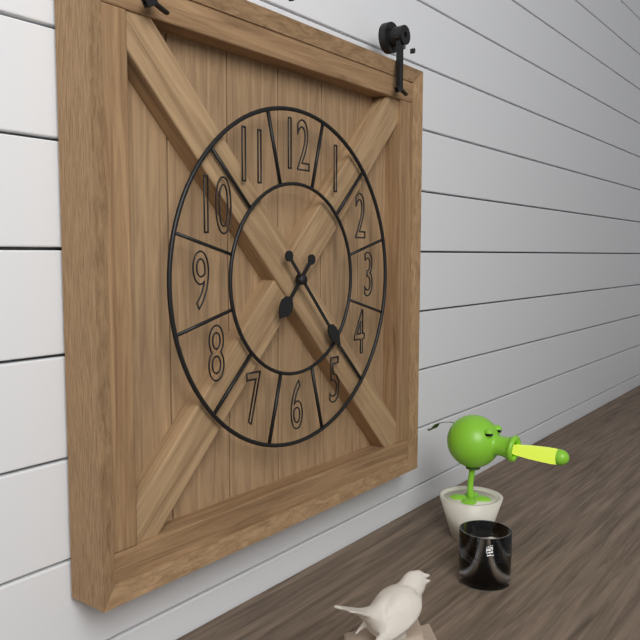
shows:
7,23
